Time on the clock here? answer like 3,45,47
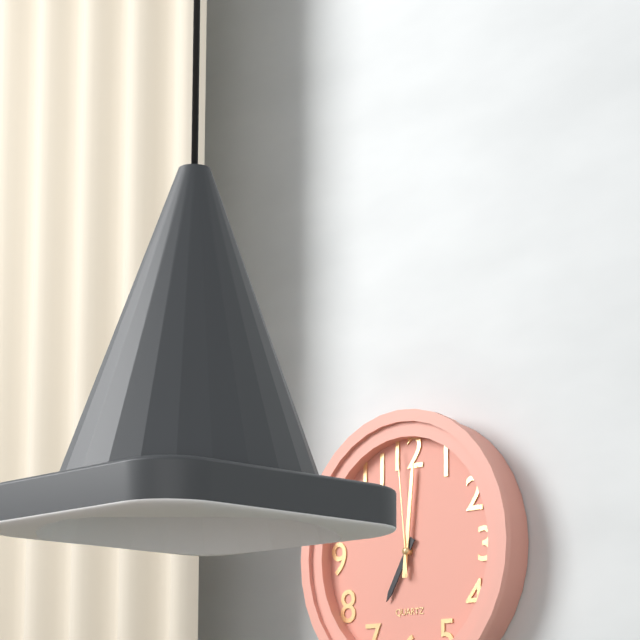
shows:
7,01,59
